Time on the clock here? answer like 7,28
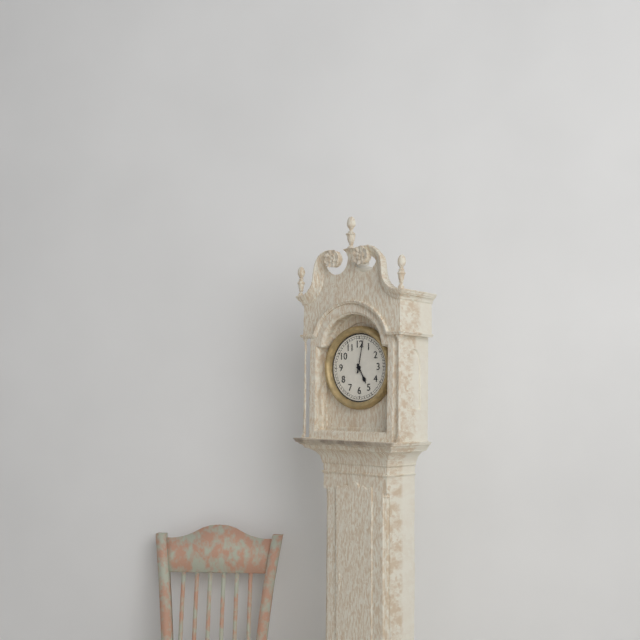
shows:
5,02
